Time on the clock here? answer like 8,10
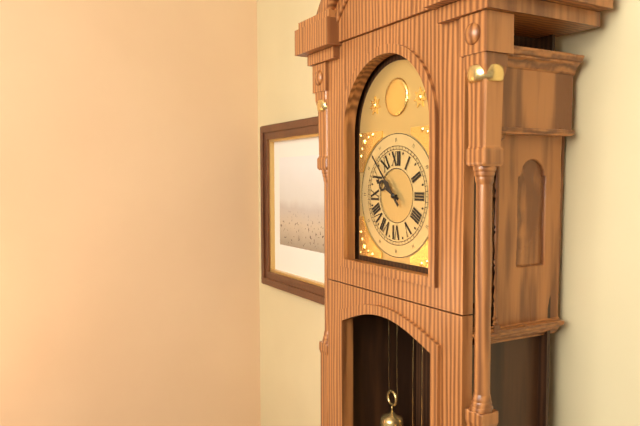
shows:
9,53
